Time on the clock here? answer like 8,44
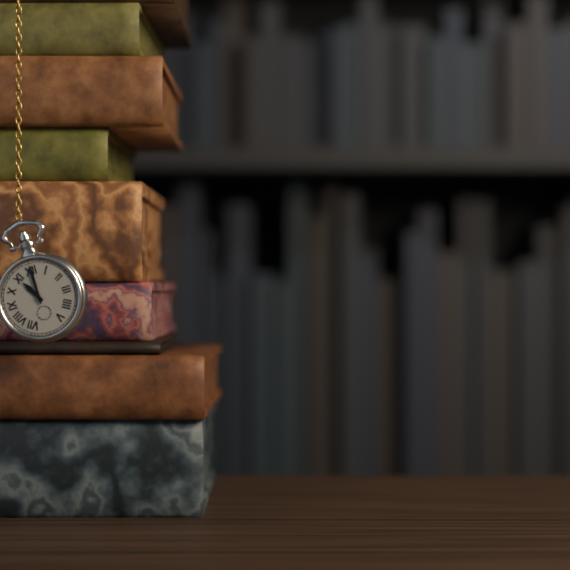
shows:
11,00
